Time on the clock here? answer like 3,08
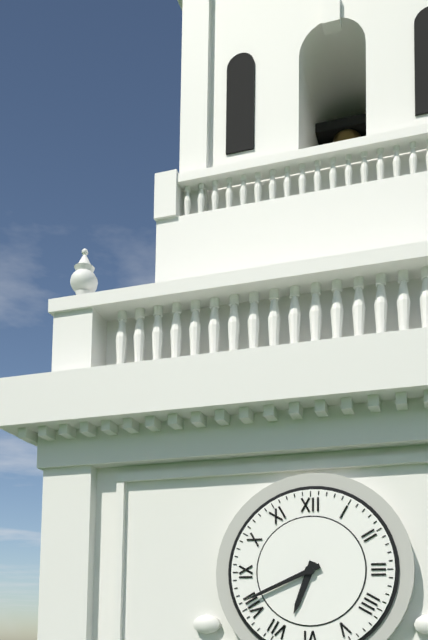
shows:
6,41
